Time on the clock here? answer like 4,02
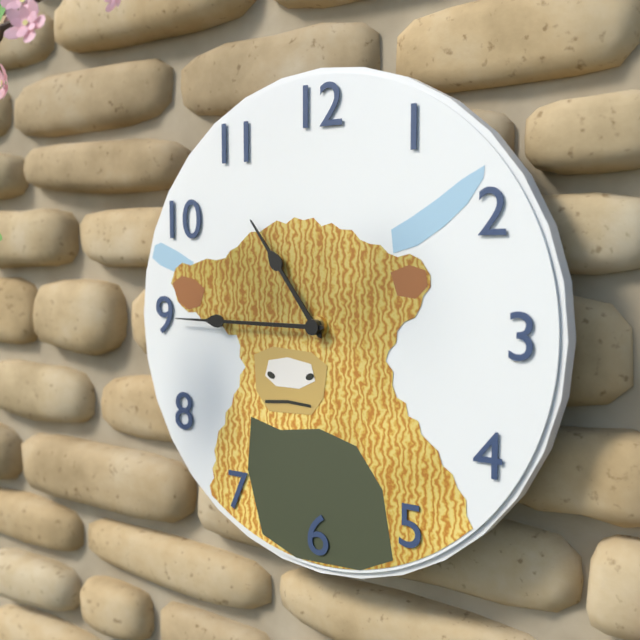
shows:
10,45
